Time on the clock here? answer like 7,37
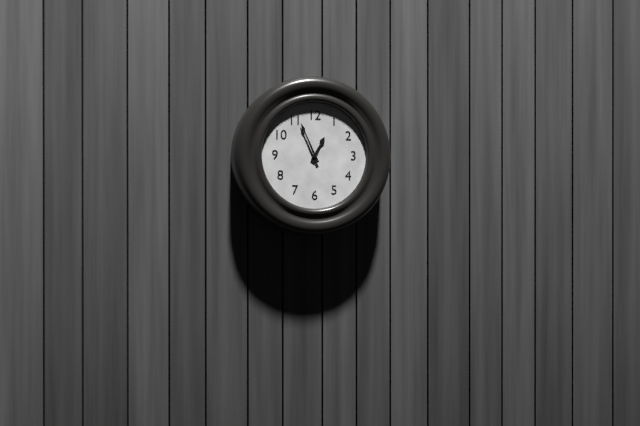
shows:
12,56
